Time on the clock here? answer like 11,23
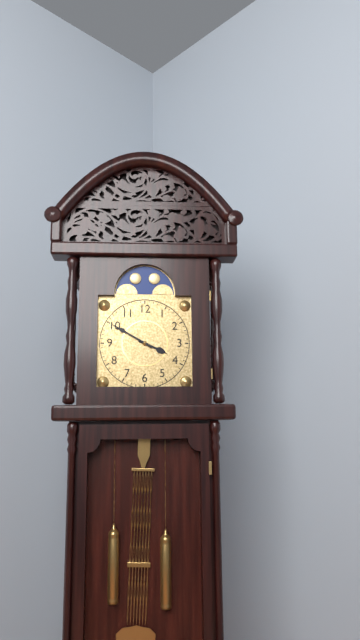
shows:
3,50
